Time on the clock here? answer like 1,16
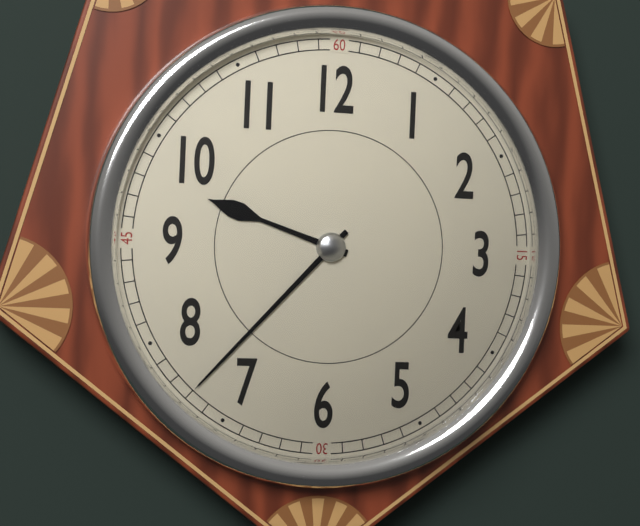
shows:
9,37
